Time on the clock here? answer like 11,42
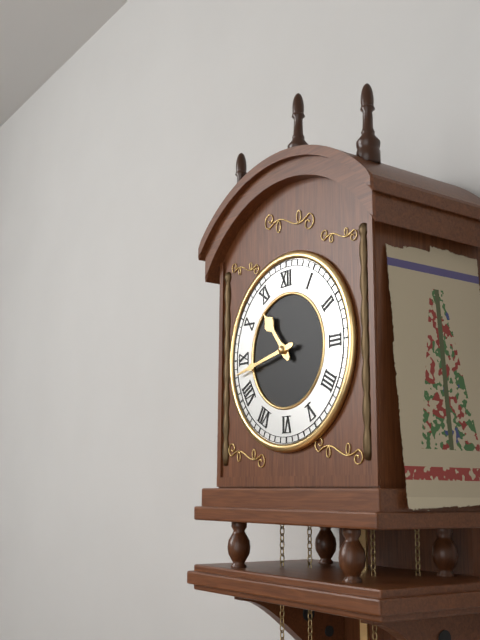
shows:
10,43
